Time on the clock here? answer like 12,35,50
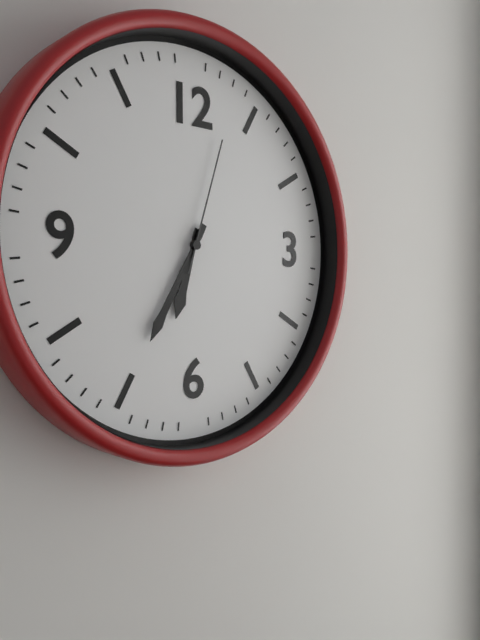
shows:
6,35,03
